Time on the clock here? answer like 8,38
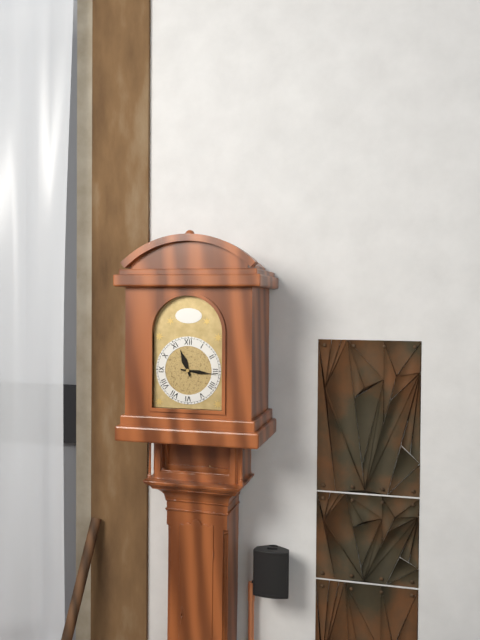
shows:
11,16
